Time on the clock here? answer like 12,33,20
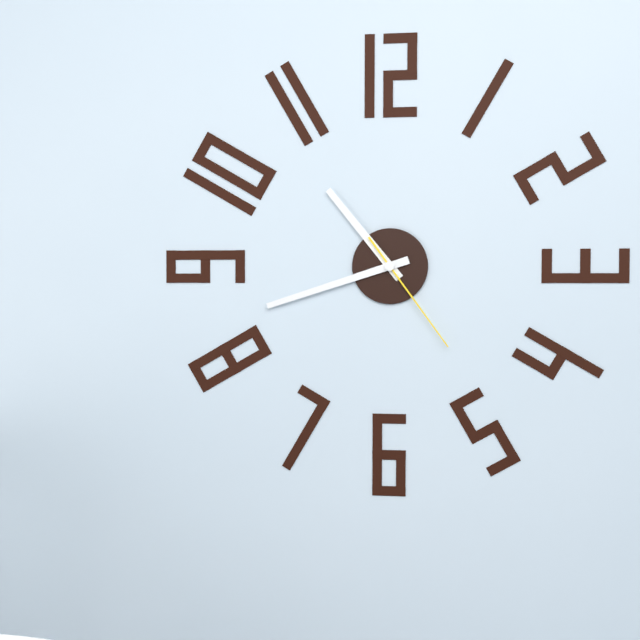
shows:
10,42,24
